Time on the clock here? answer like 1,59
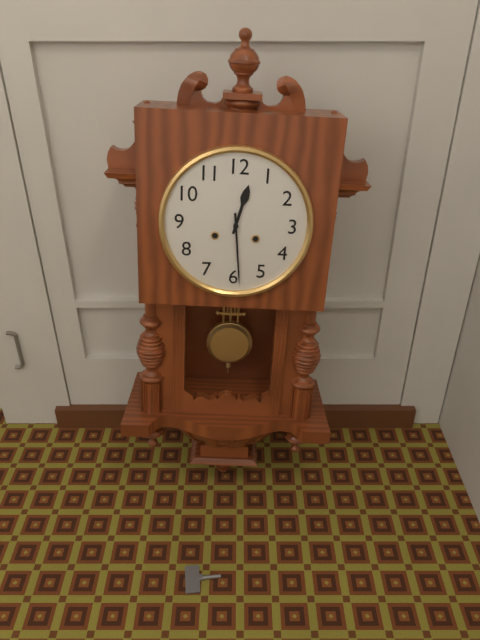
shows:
12,29
